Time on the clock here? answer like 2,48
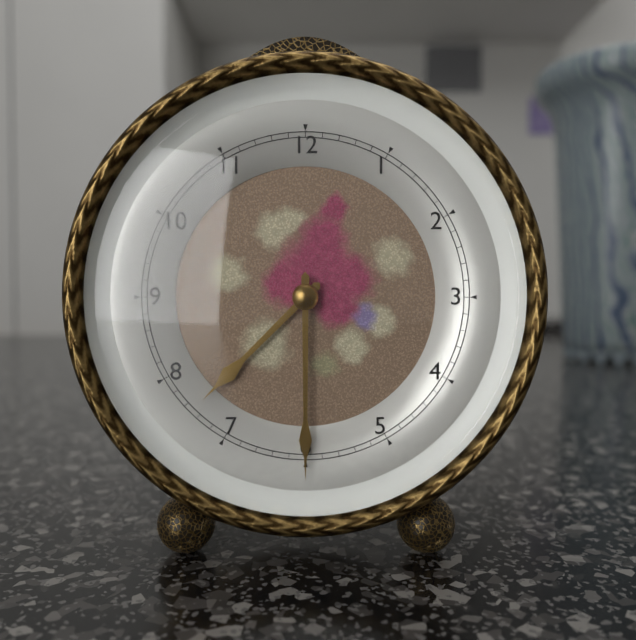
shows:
7,30
